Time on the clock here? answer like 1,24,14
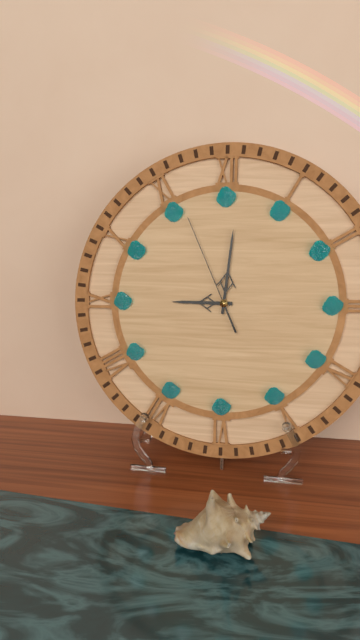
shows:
9,01,56
